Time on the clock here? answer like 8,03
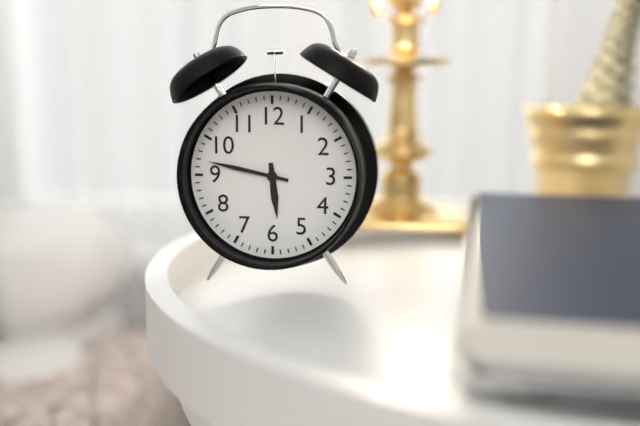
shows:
5,47
